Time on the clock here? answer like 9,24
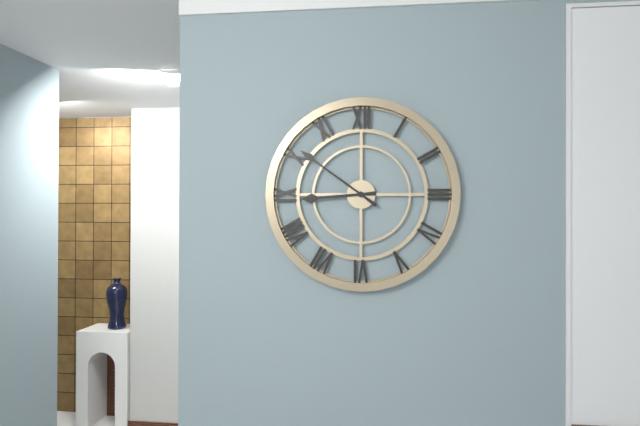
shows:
8,51
